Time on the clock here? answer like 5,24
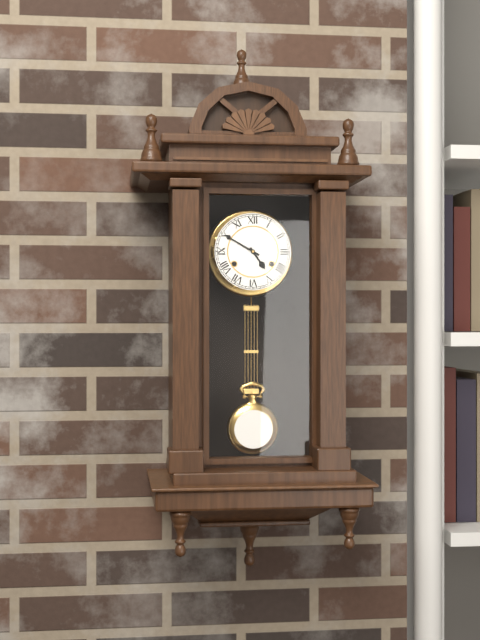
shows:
4,50
